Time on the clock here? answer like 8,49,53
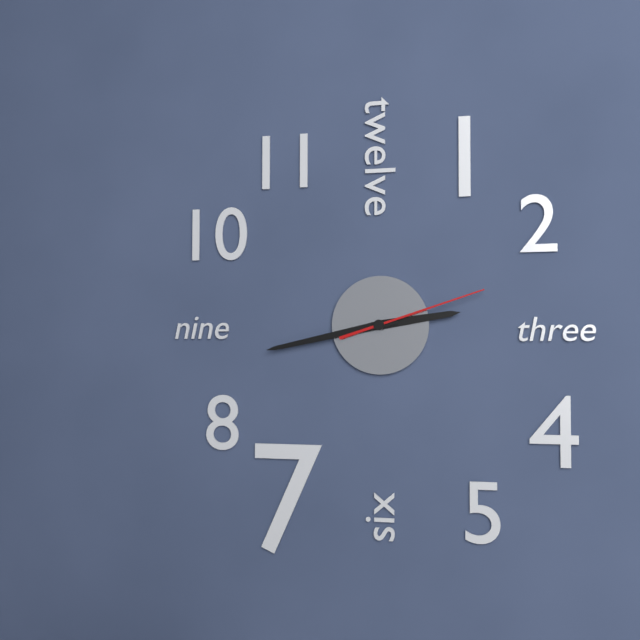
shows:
2,43,12
